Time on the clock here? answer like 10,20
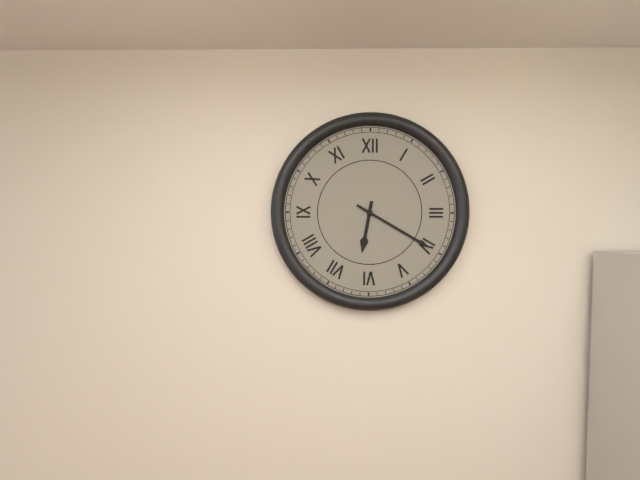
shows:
6,20
